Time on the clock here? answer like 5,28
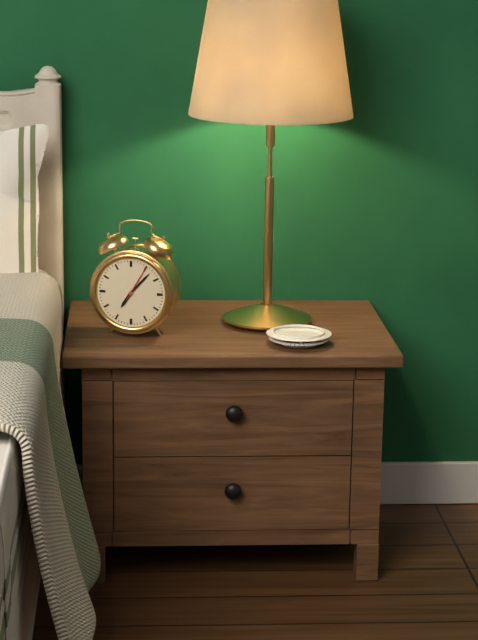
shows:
7,07
